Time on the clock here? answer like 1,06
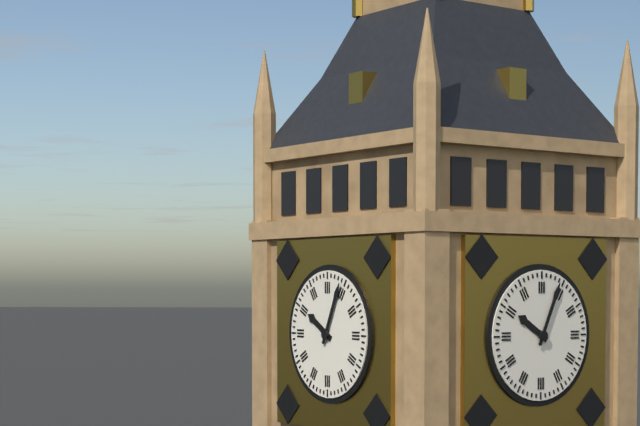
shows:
10,04
